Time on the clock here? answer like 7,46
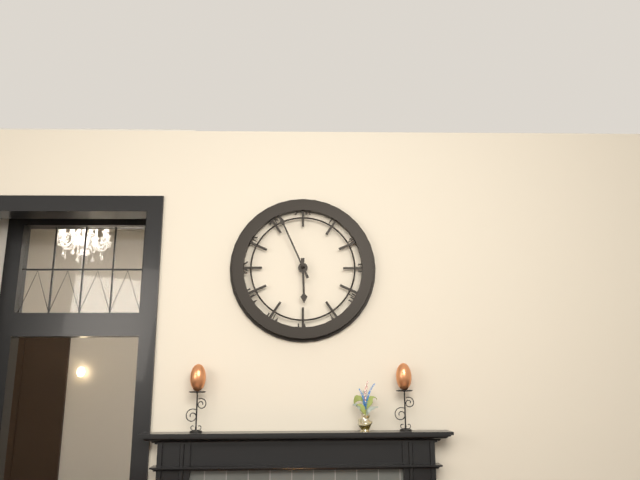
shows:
5,56
